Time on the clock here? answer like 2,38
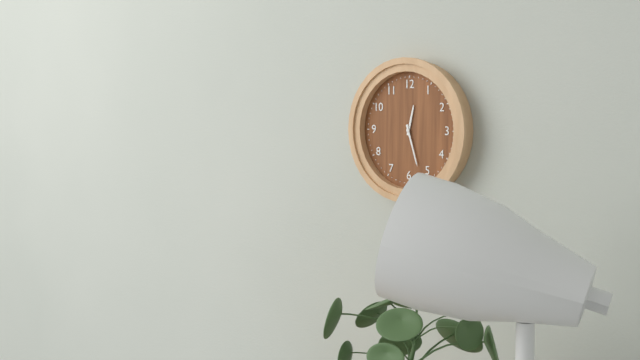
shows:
12,27
